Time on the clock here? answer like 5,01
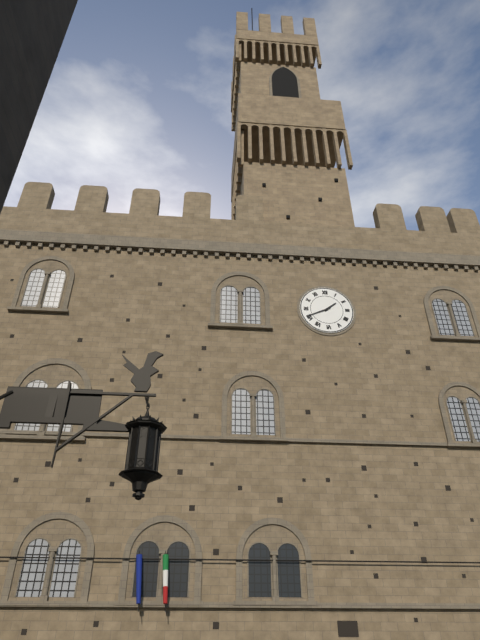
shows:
1,41
